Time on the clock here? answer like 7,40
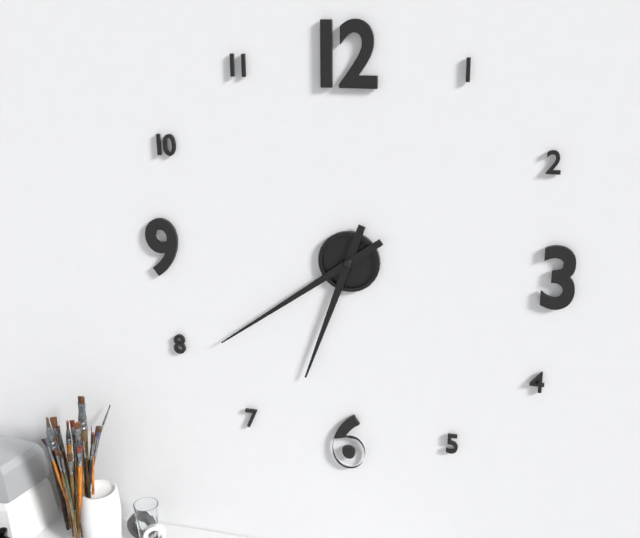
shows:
6,39
